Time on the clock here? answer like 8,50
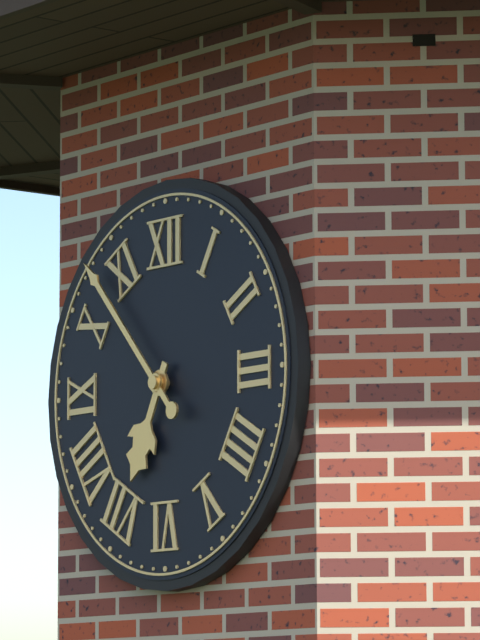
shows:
6,53
